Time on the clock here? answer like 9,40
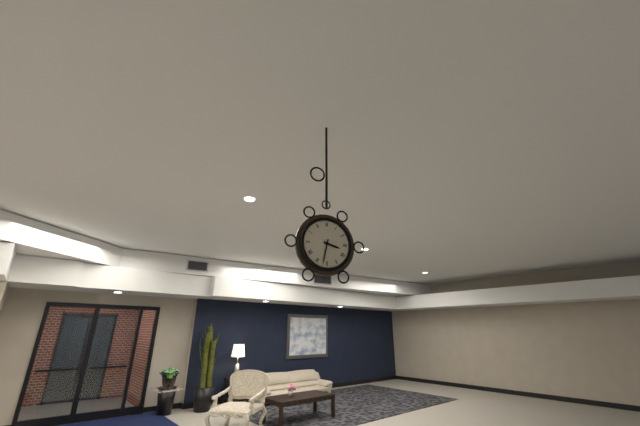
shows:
3,32
